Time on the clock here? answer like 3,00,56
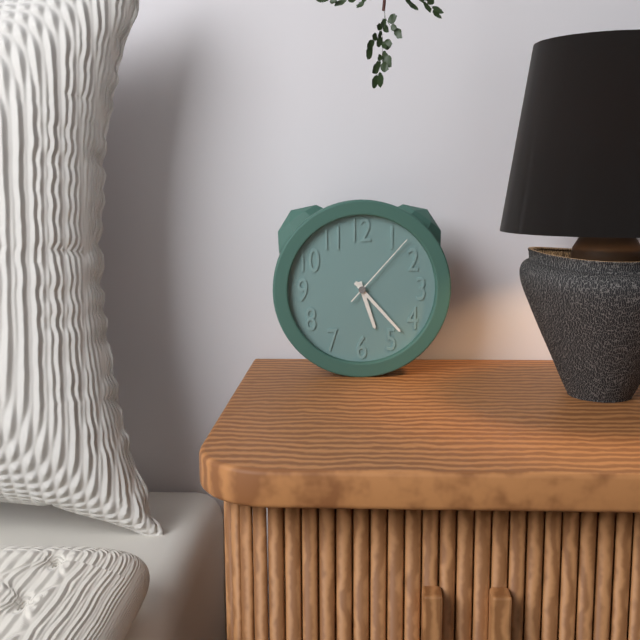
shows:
5,23,07
